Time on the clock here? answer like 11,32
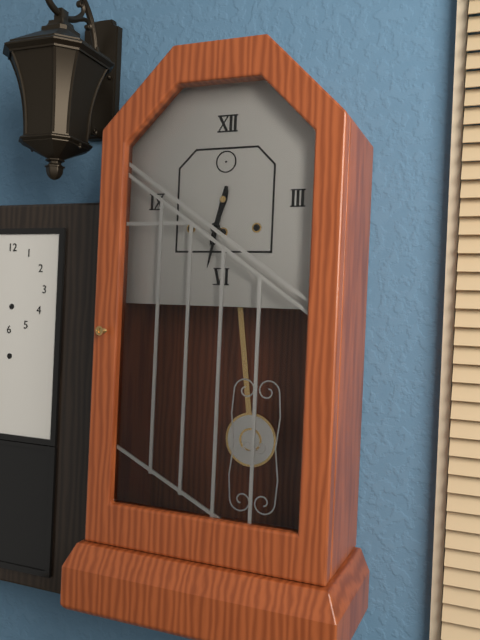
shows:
6,32
